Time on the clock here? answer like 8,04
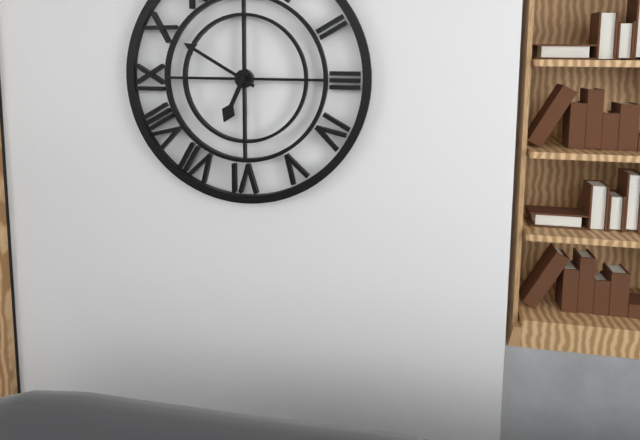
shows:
6,50
